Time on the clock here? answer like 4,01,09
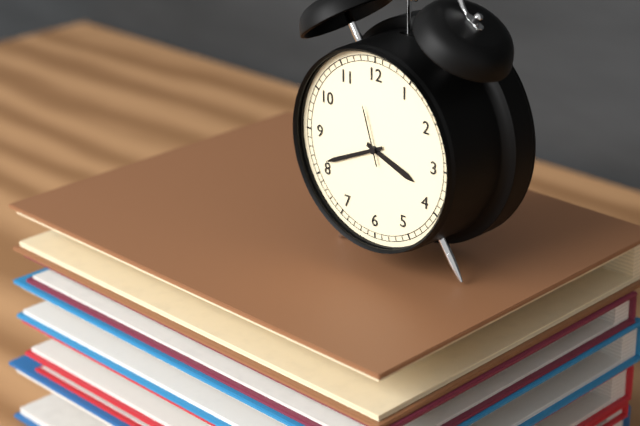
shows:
3,41,57
